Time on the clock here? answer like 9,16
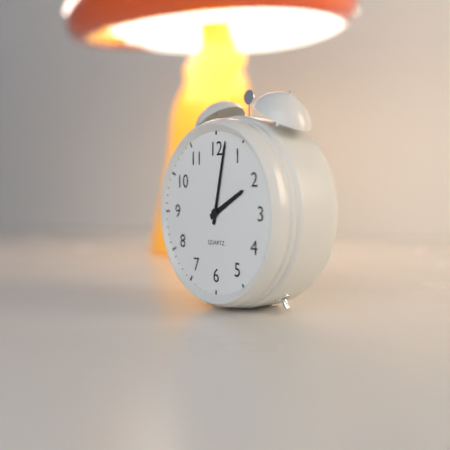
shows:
2,02
